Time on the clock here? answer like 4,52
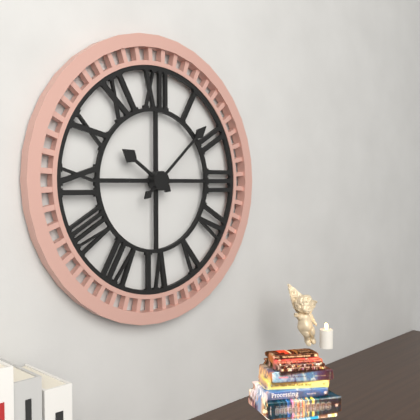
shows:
10,08
